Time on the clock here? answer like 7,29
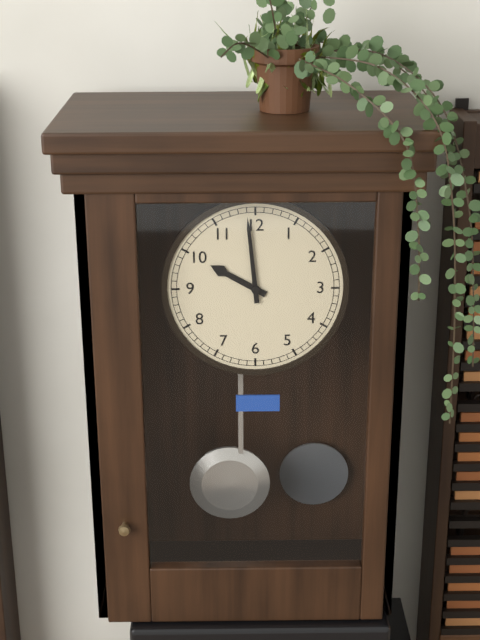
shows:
9,59
